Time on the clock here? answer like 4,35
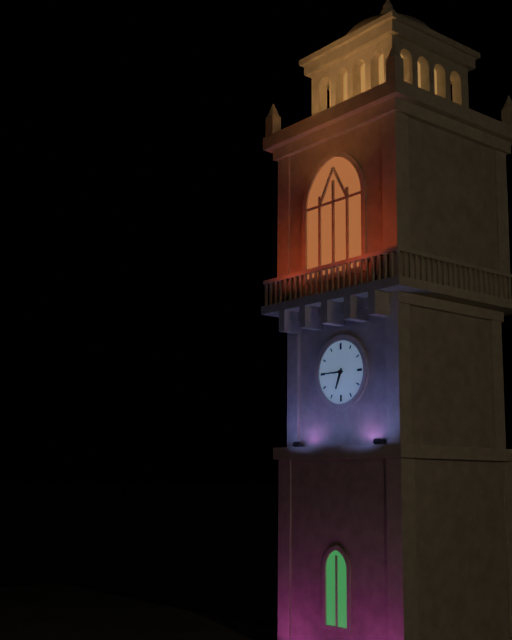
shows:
6,45
